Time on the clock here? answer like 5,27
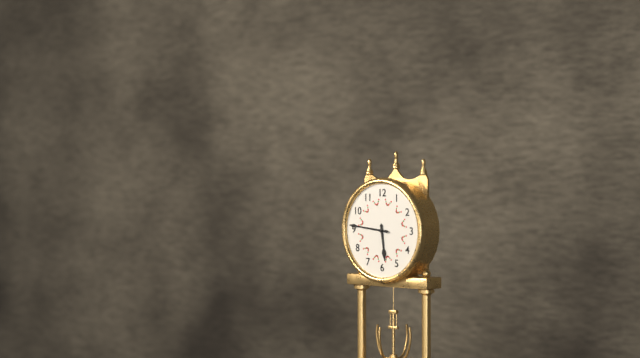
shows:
5,46
